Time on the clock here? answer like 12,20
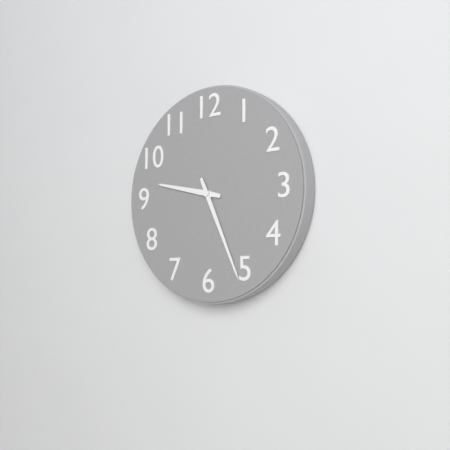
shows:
9,26
